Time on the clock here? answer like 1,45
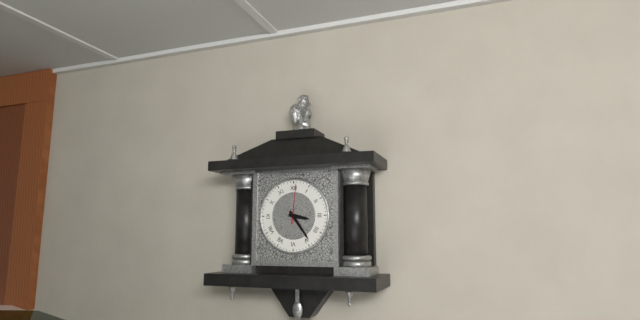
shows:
3,24
